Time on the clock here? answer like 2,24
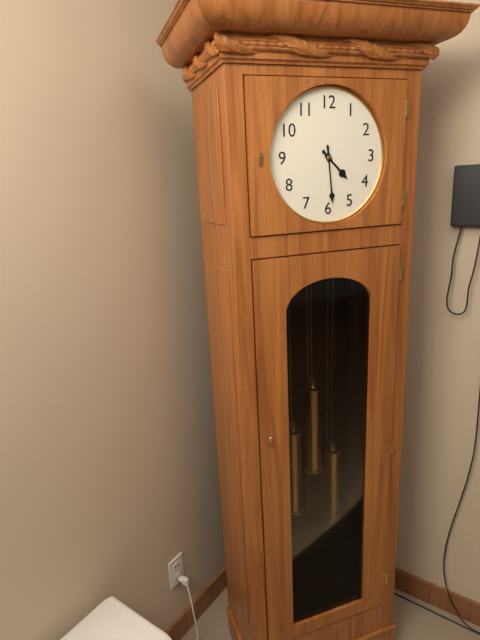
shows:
4,29
